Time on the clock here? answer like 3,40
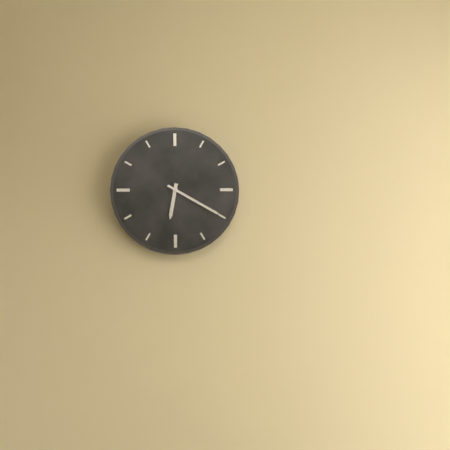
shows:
6,20
